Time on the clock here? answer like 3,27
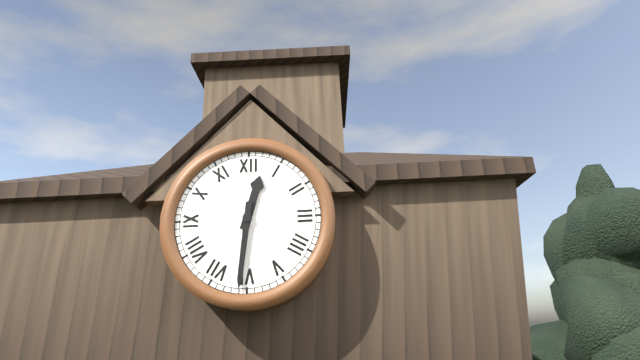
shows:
12,31
